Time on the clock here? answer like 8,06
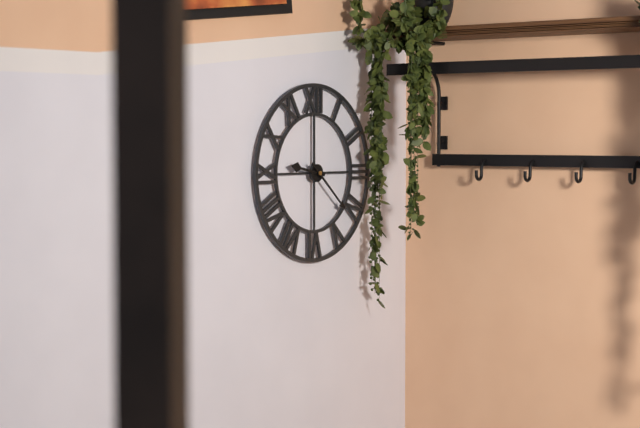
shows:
9,22
